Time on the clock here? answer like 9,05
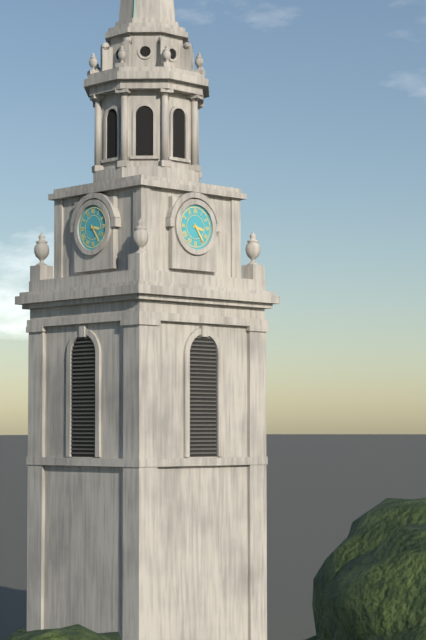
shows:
3,24
